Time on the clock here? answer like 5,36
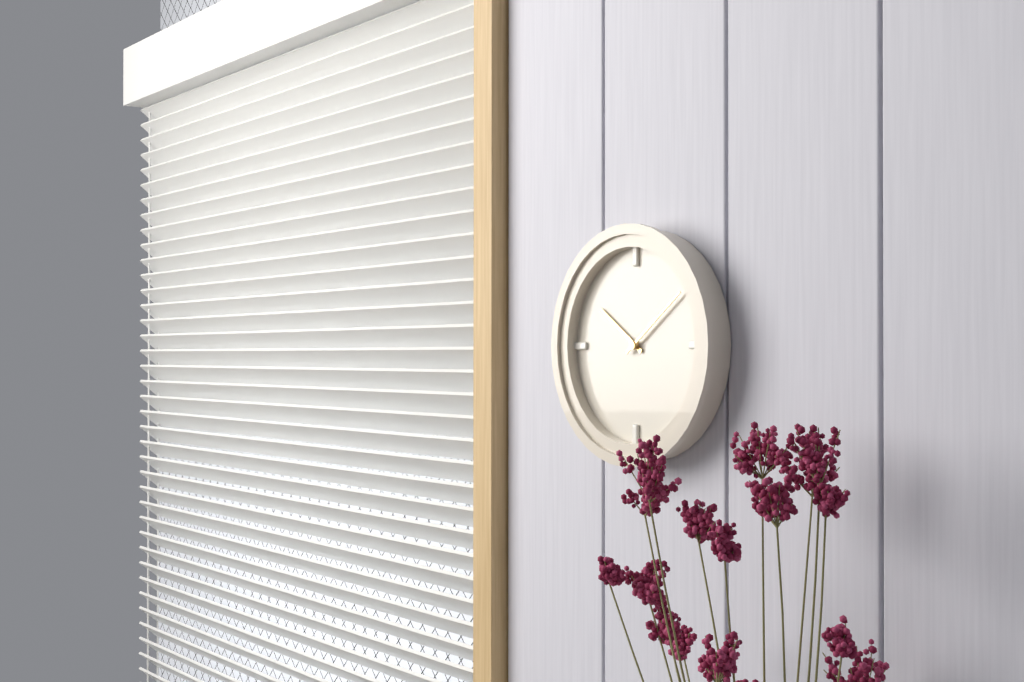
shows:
10,09
